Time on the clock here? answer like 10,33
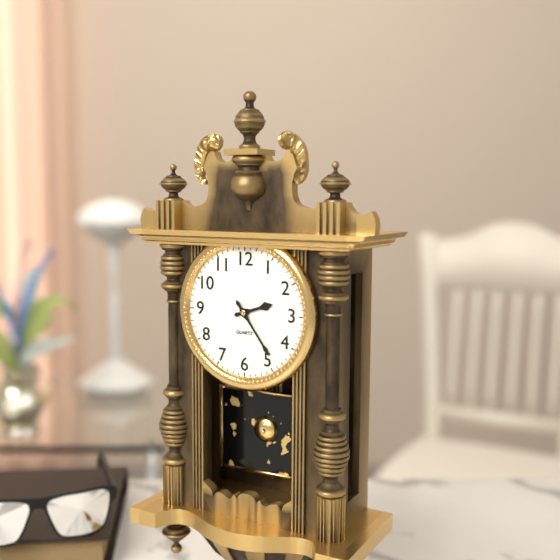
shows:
2,24
